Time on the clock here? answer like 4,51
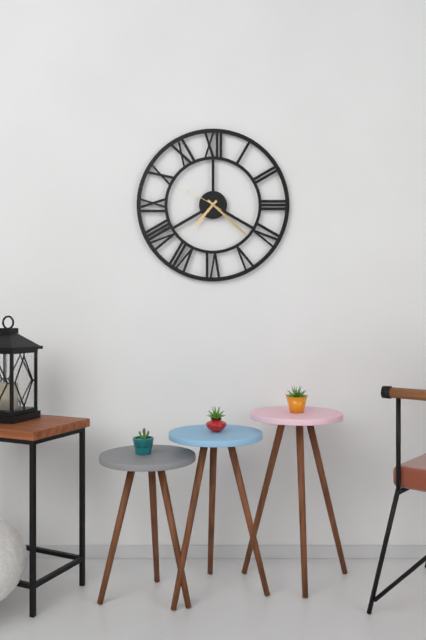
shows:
7,22
